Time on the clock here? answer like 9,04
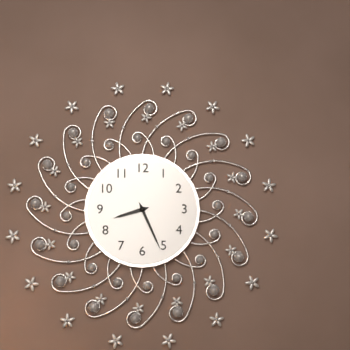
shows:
8,26
